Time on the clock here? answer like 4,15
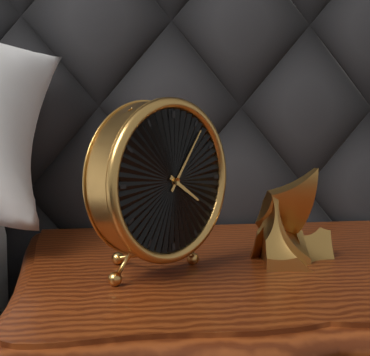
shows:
4,06
